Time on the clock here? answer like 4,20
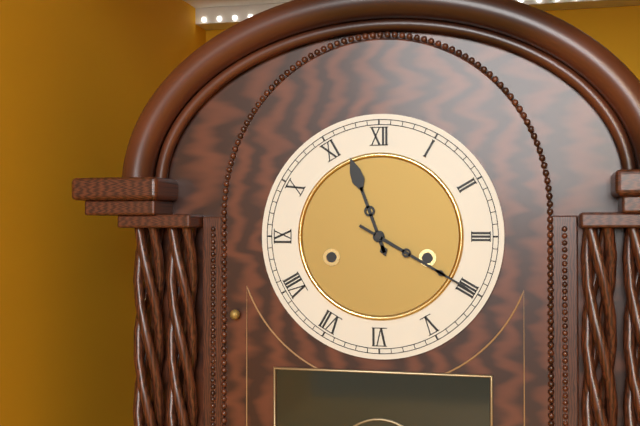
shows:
11,20
